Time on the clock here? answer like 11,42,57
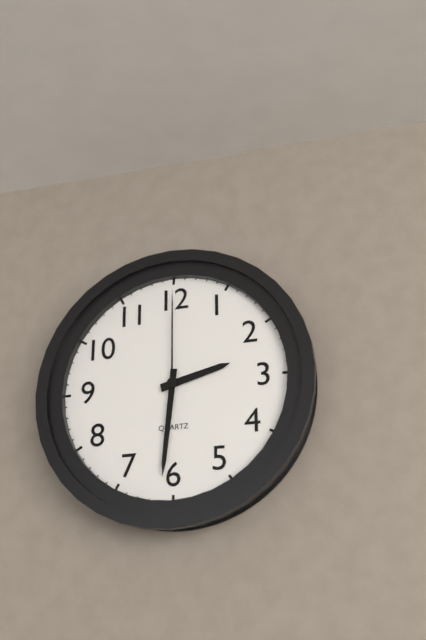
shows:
2,31,00
